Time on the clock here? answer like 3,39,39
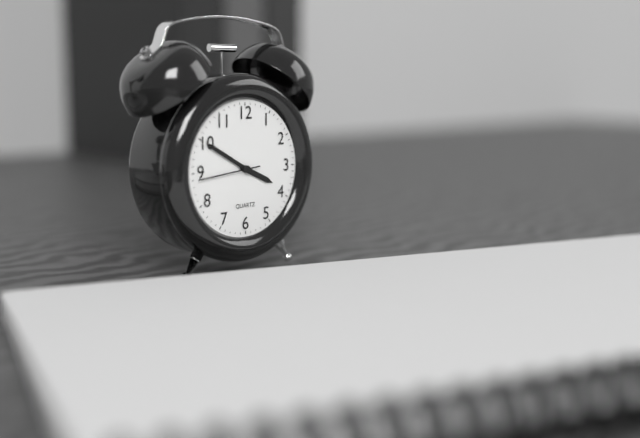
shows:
3,50,44
